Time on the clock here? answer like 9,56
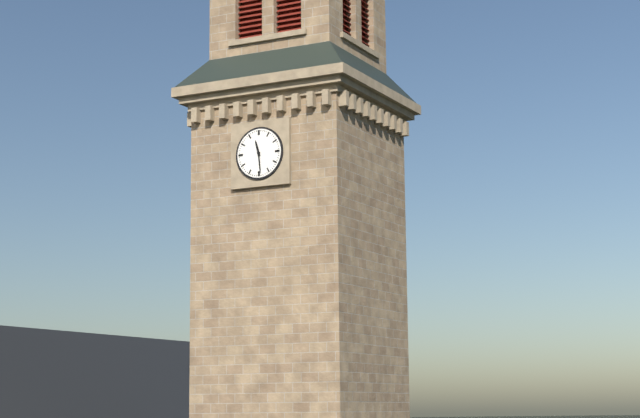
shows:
11,29
